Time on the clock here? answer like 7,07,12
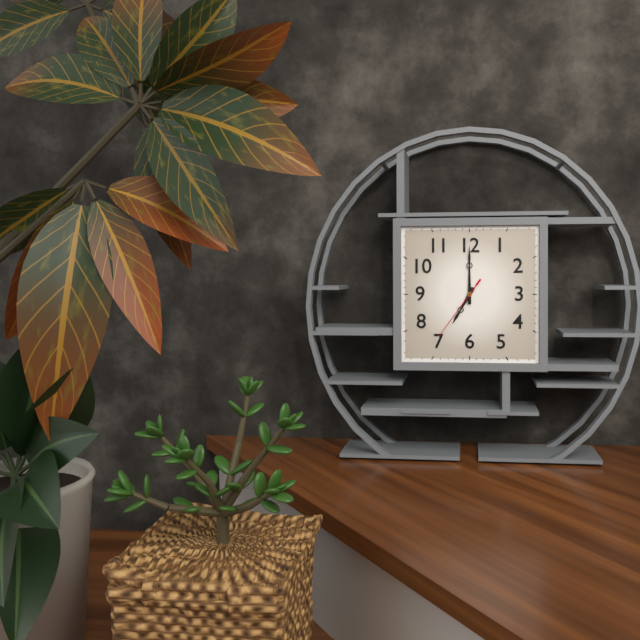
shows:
7,00,36
